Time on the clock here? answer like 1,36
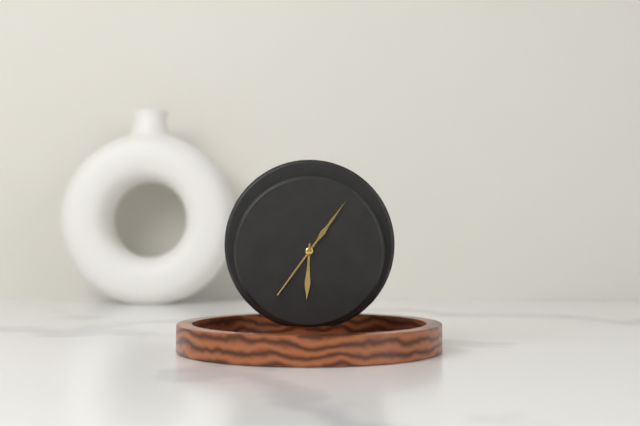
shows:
6,06
